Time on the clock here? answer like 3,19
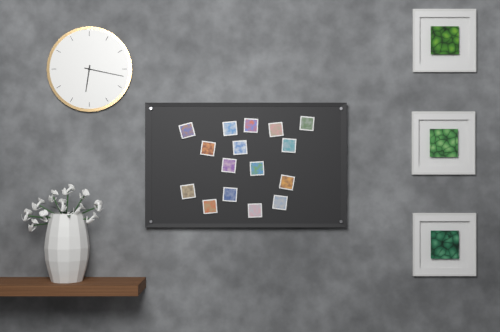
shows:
6,17
